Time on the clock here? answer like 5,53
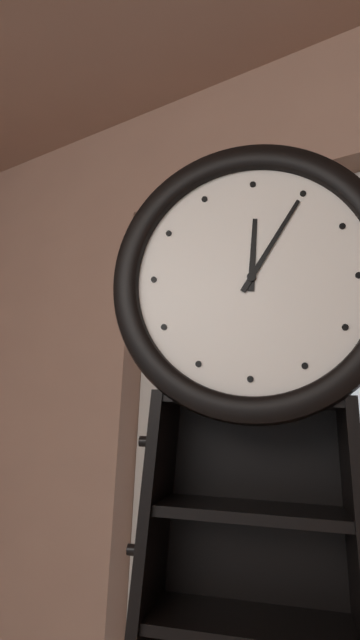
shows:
12,05
